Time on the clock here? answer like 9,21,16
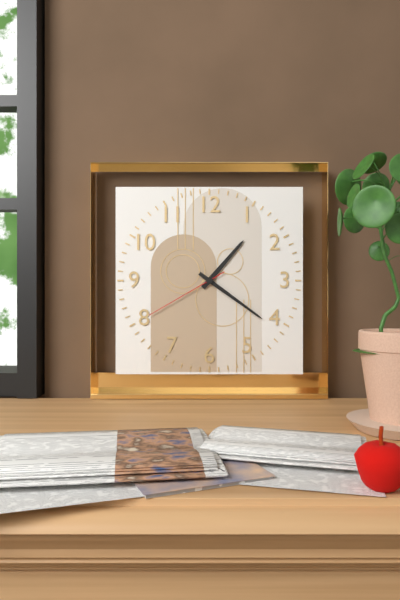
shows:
1,21,40
